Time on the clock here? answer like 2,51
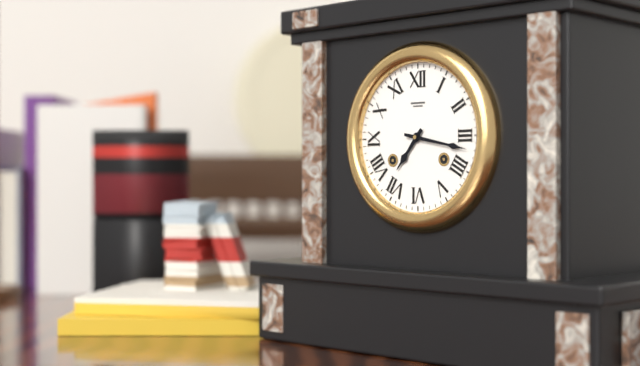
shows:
7,17
